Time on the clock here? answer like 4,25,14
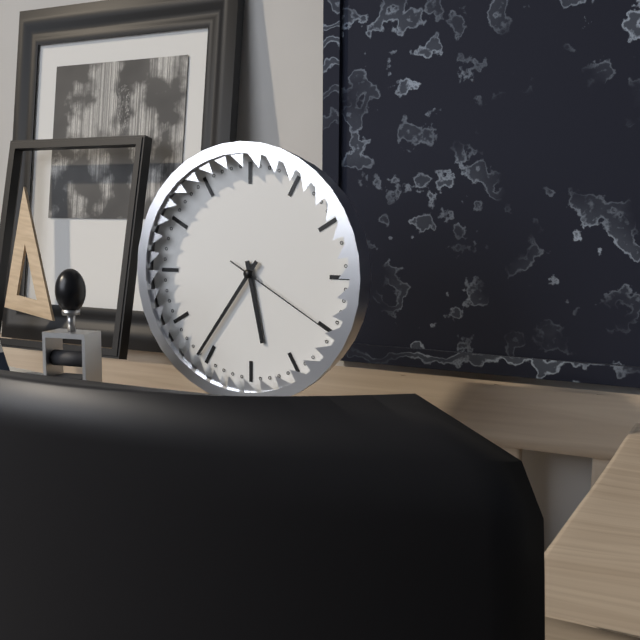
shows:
5,36,20
